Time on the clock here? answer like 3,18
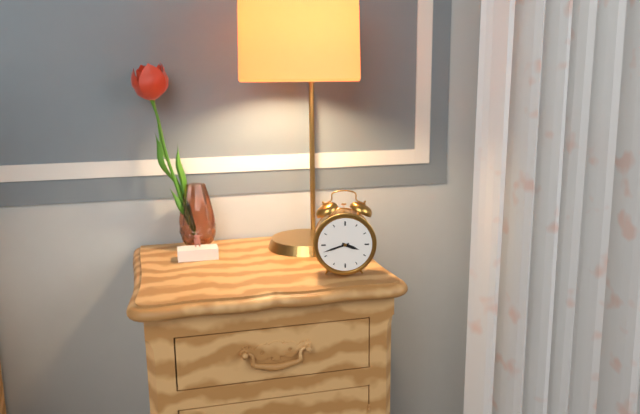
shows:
3,42
